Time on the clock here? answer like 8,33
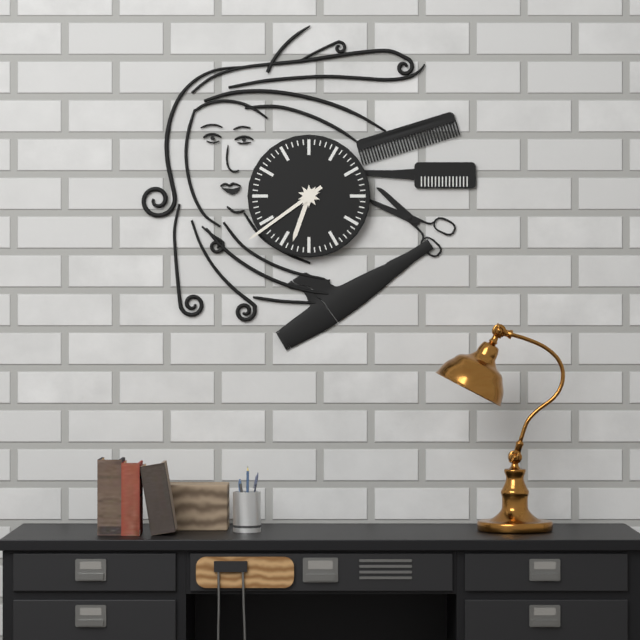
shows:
6,39
